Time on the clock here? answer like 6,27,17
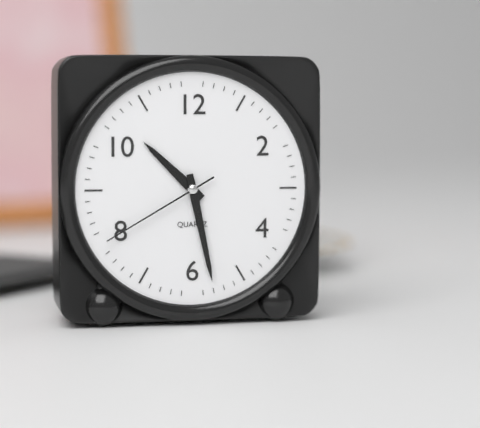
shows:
10,28,40
